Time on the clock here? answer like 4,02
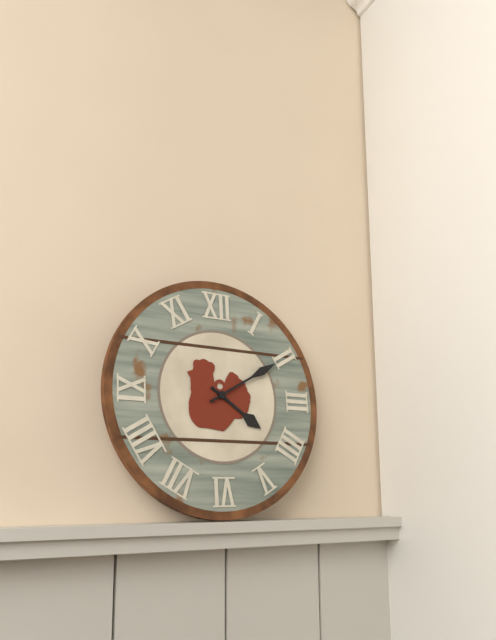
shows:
4,10
